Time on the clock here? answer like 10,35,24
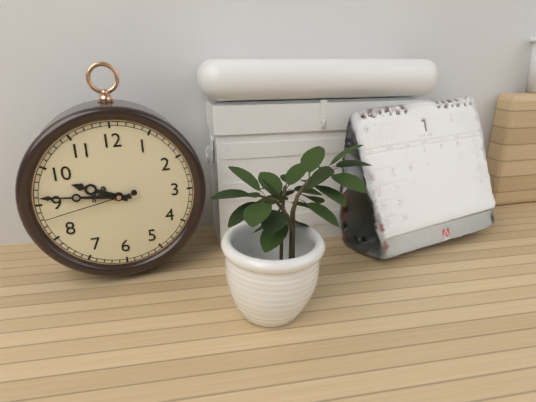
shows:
9,46,43
